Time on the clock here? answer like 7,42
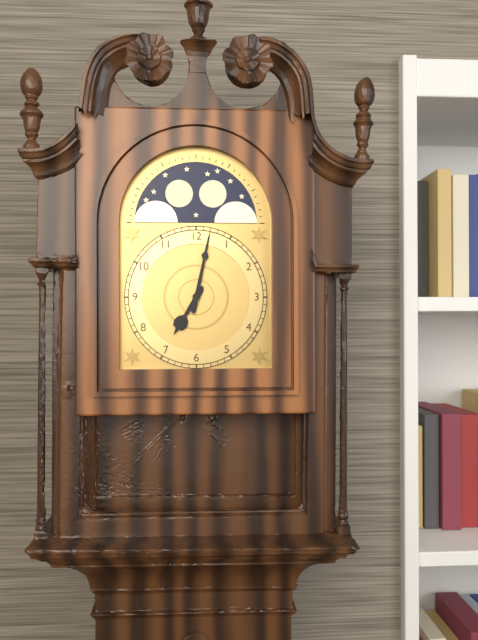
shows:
7,02
